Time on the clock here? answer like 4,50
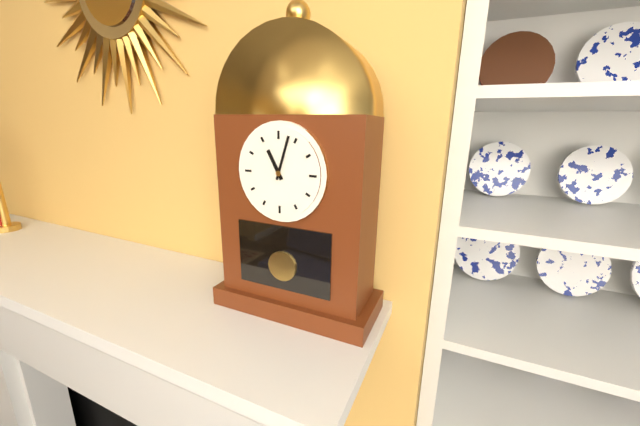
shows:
11,03
